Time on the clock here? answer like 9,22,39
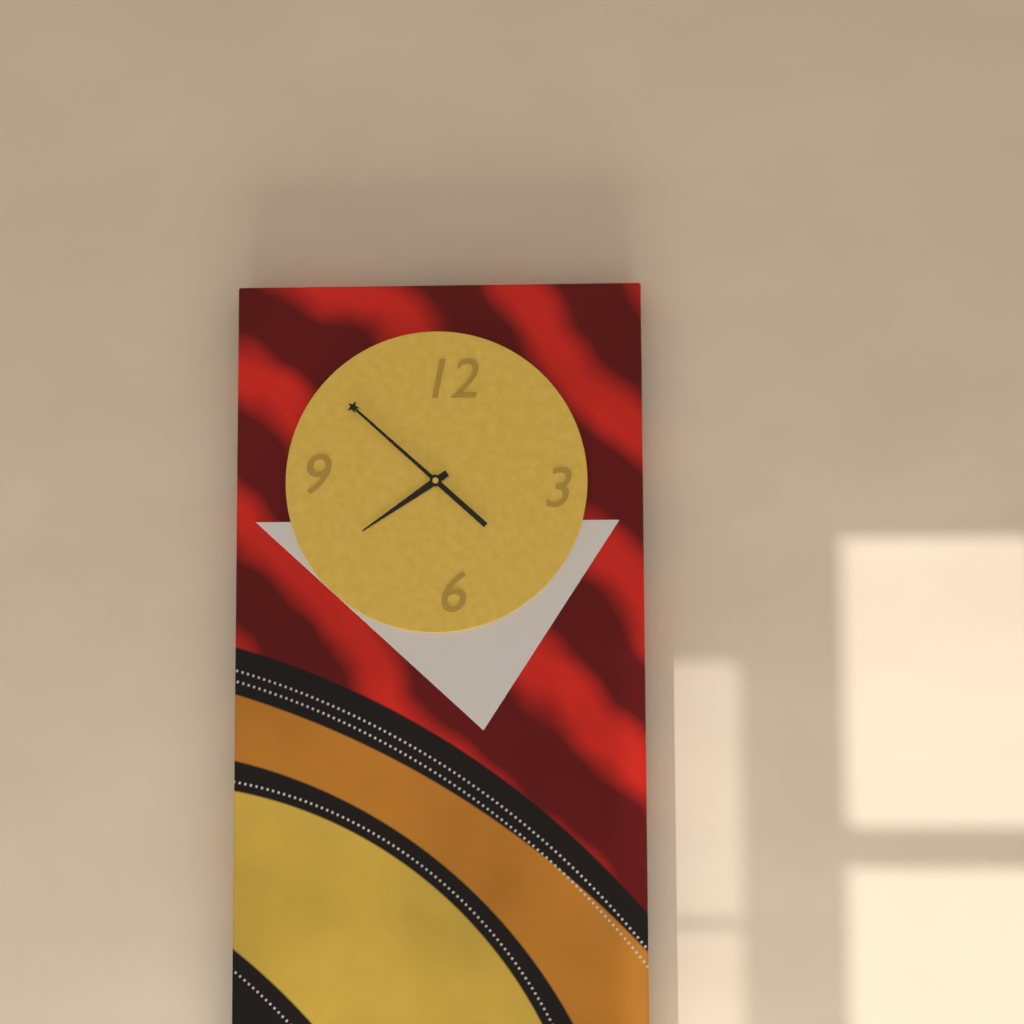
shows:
7,52,52
